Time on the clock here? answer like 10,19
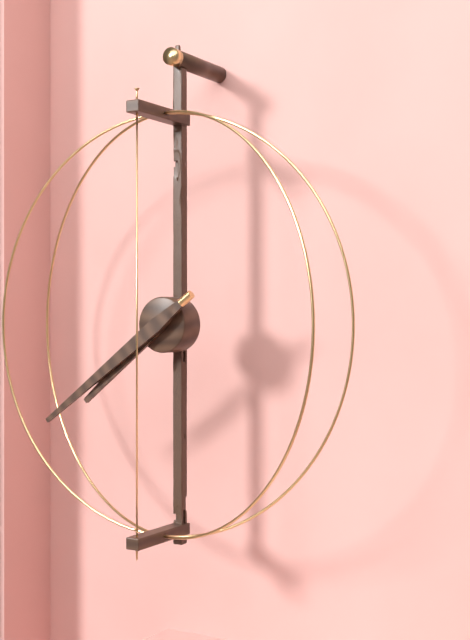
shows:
7,39
